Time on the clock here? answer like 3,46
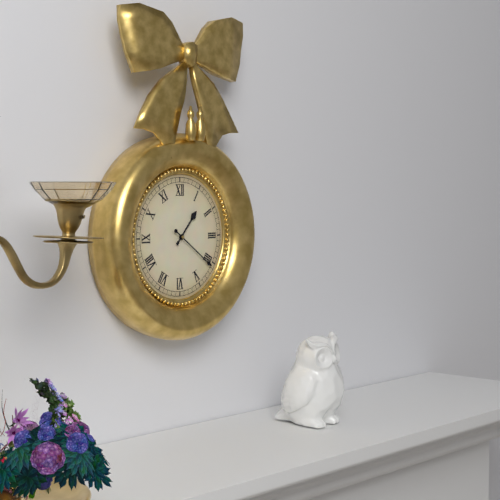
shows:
1,21
